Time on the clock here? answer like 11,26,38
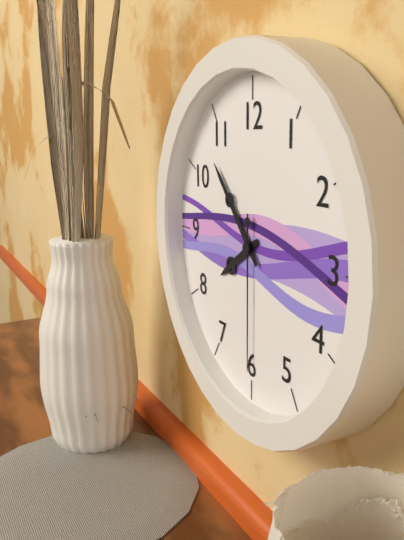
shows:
7,53,30
